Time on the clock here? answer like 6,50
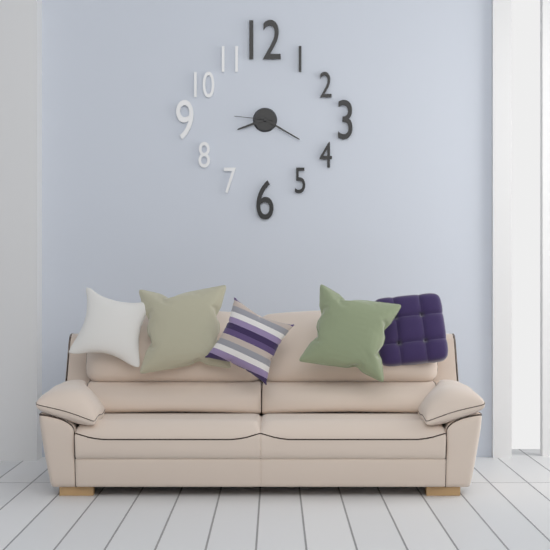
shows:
8,20
